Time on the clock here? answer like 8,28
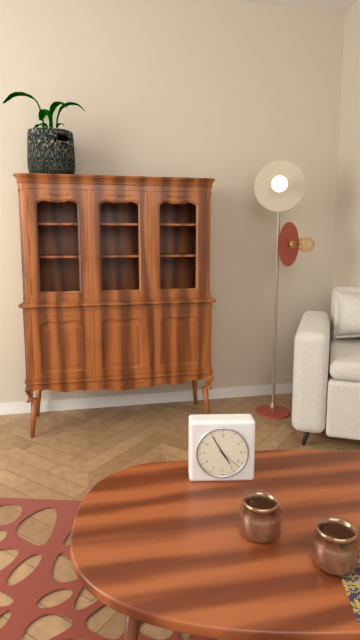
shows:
4,55
